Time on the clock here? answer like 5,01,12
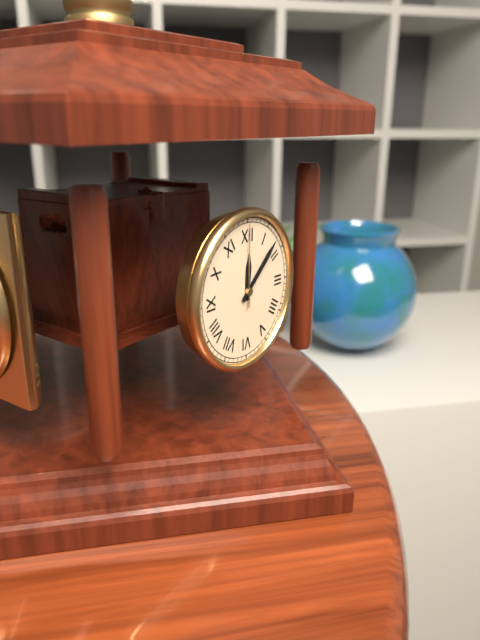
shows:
12,08,00
